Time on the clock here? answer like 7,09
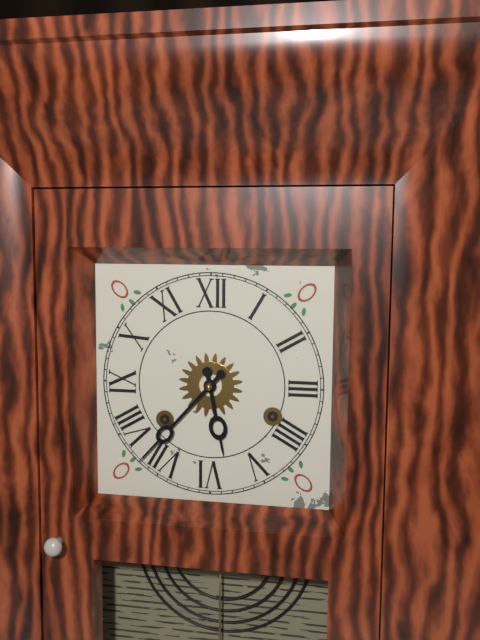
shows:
5,37
